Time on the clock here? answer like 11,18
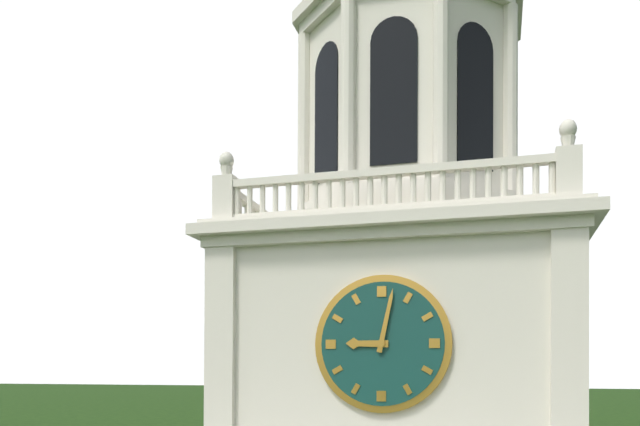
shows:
9,02
